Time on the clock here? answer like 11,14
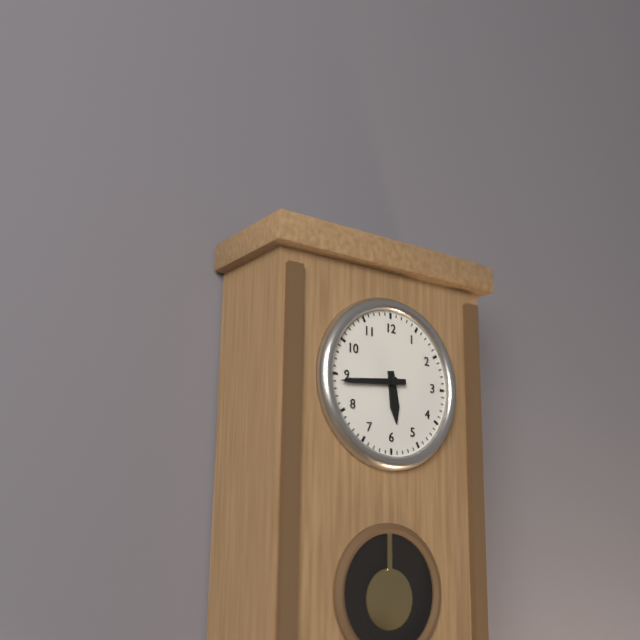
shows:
5,44
